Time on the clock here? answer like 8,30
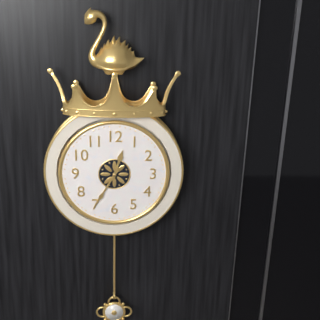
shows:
12,35
